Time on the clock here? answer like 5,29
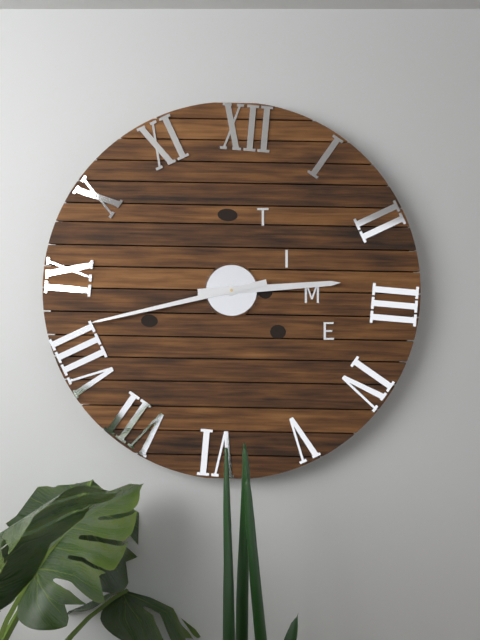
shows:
2,42
